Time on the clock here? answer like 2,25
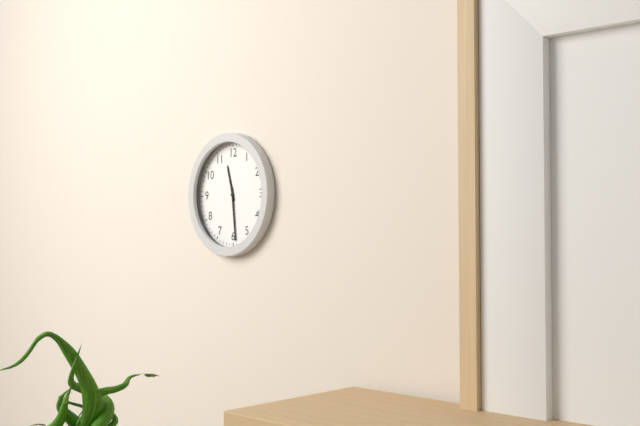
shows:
11,29
